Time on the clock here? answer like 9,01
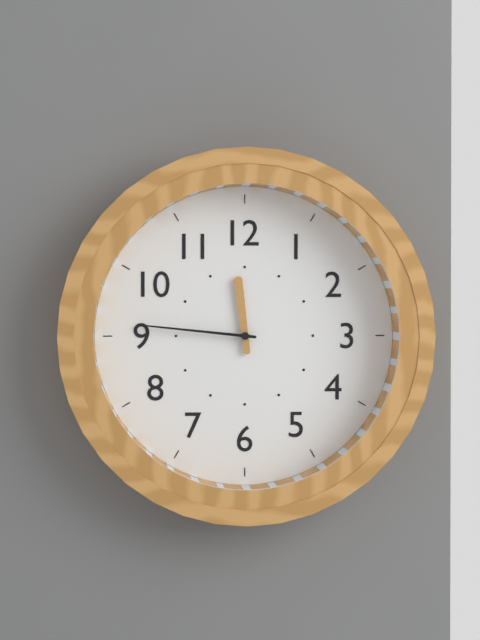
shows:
11,46
